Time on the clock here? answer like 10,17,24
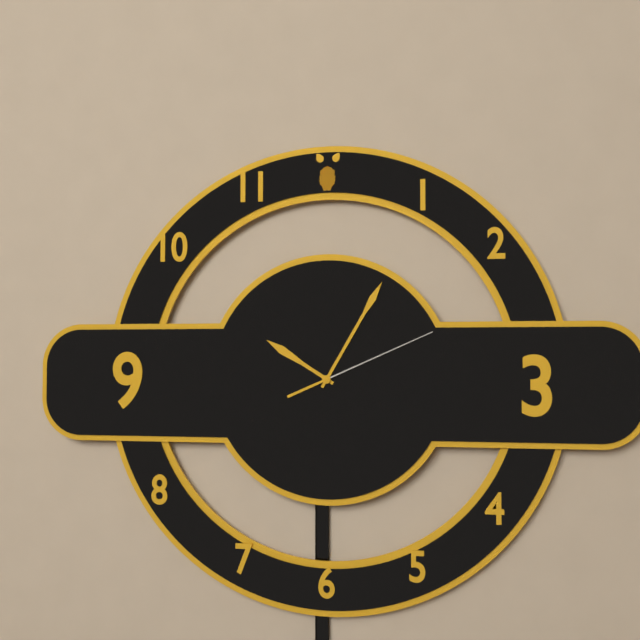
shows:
10,05,11
